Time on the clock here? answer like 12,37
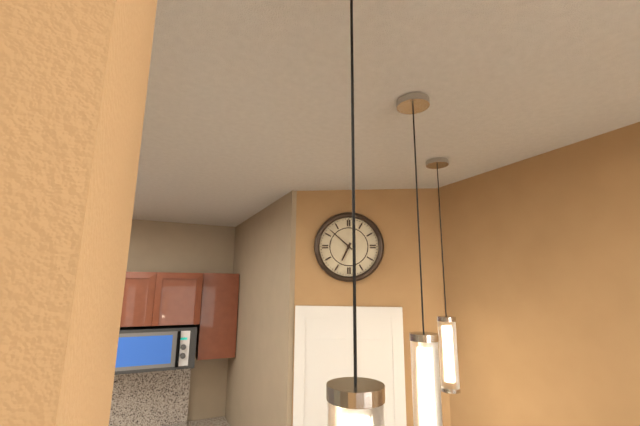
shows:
6,52
